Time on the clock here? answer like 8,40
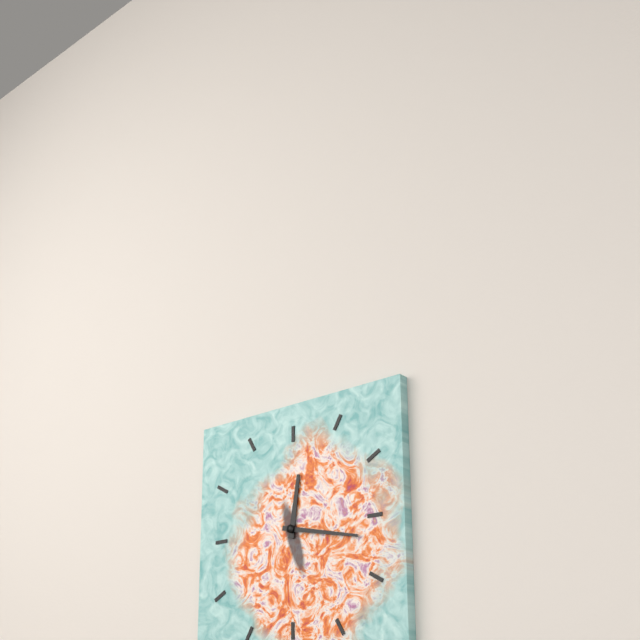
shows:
12,17
